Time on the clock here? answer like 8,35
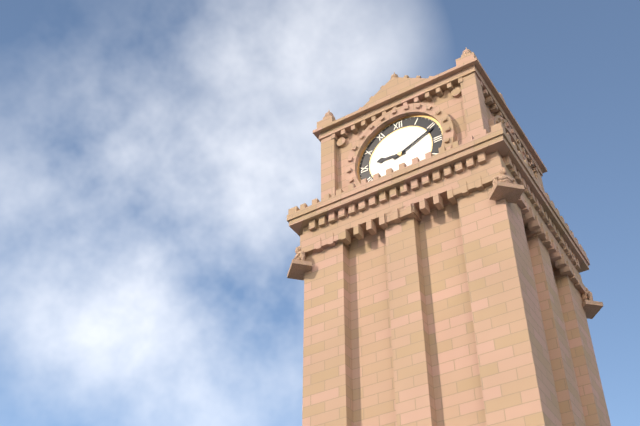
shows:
9,11
